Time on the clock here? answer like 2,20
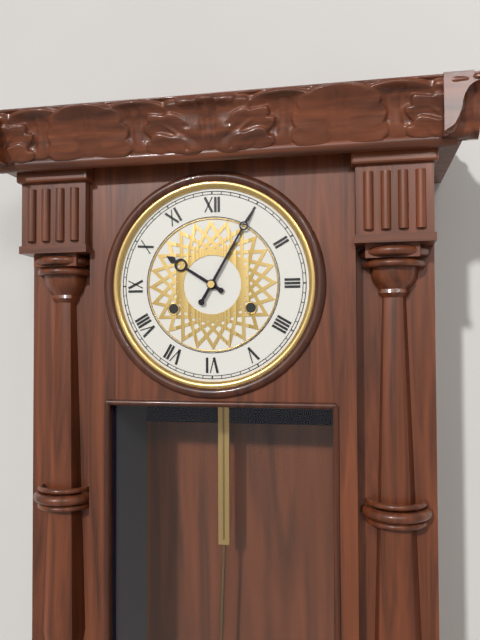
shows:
10,05
